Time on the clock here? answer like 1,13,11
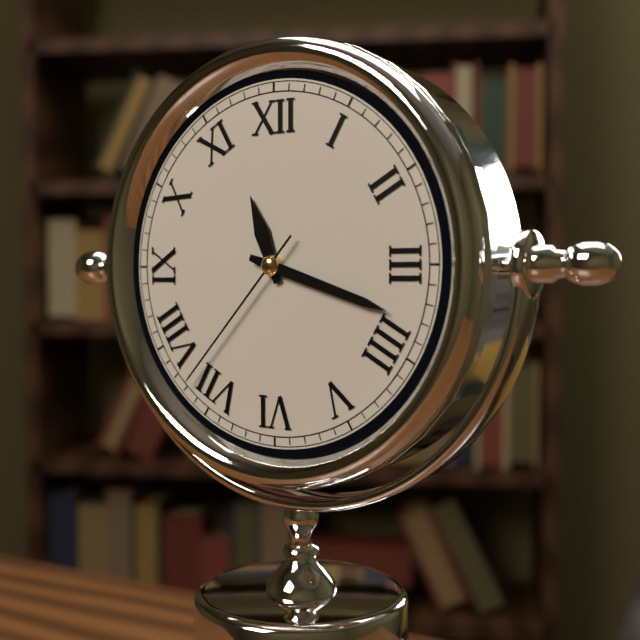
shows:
11,18,37
